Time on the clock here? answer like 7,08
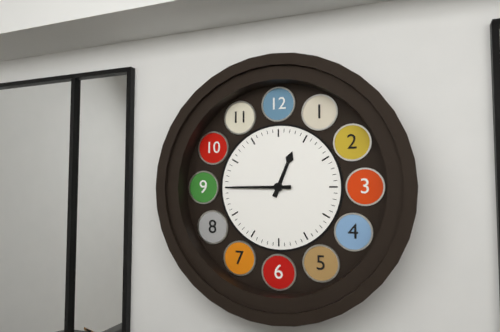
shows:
12,45
